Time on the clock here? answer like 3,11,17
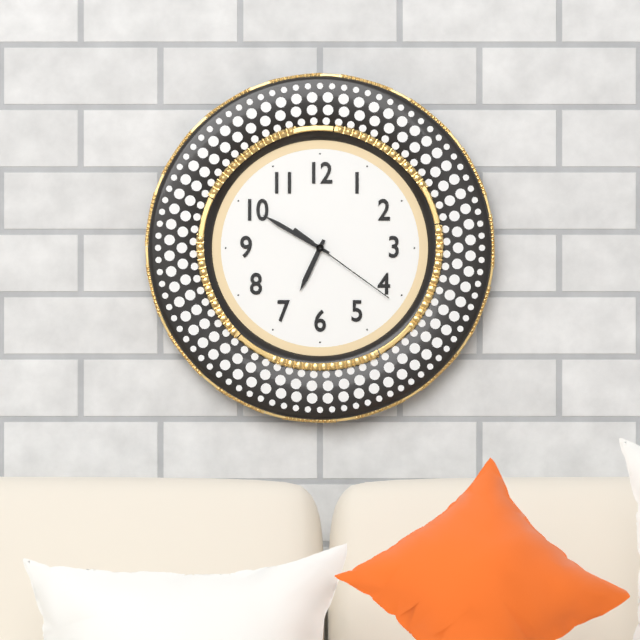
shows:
6,50,21
